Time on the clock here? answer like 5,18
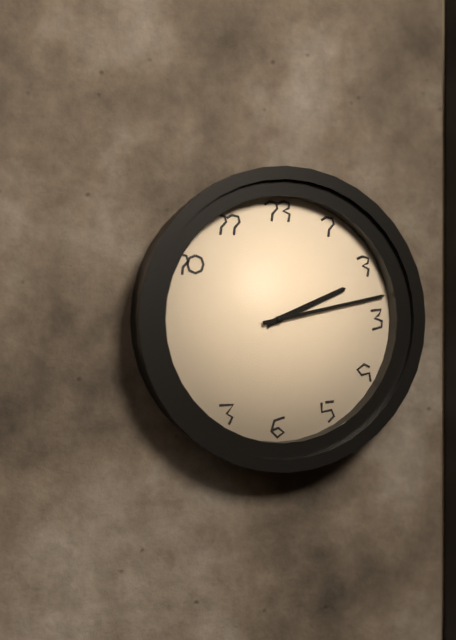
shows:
2,13
